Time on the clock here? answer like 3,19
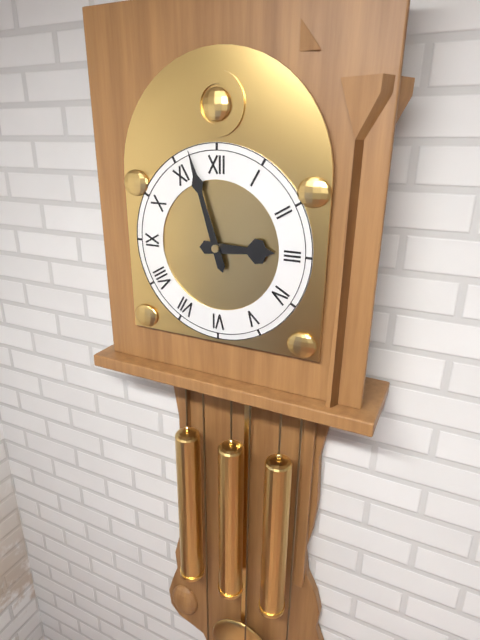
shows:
2,57
